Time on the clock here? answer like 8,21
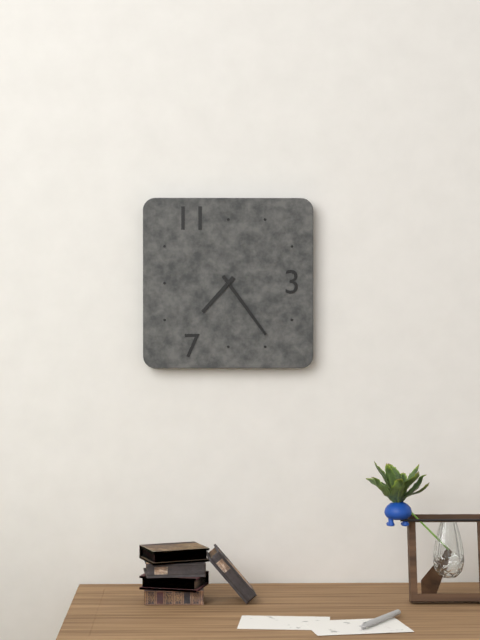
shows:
7,24
